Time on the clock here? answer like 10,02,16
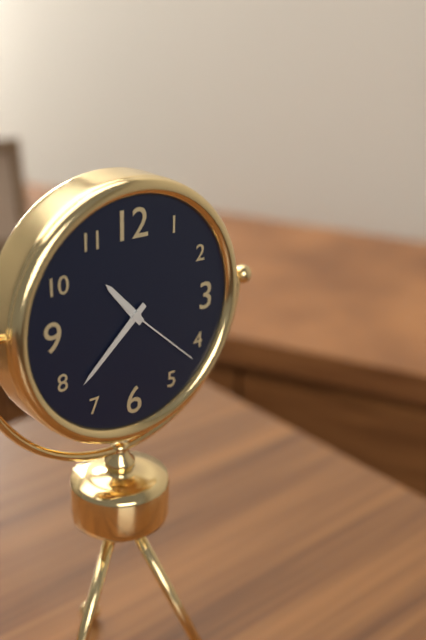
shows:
10,38,22
